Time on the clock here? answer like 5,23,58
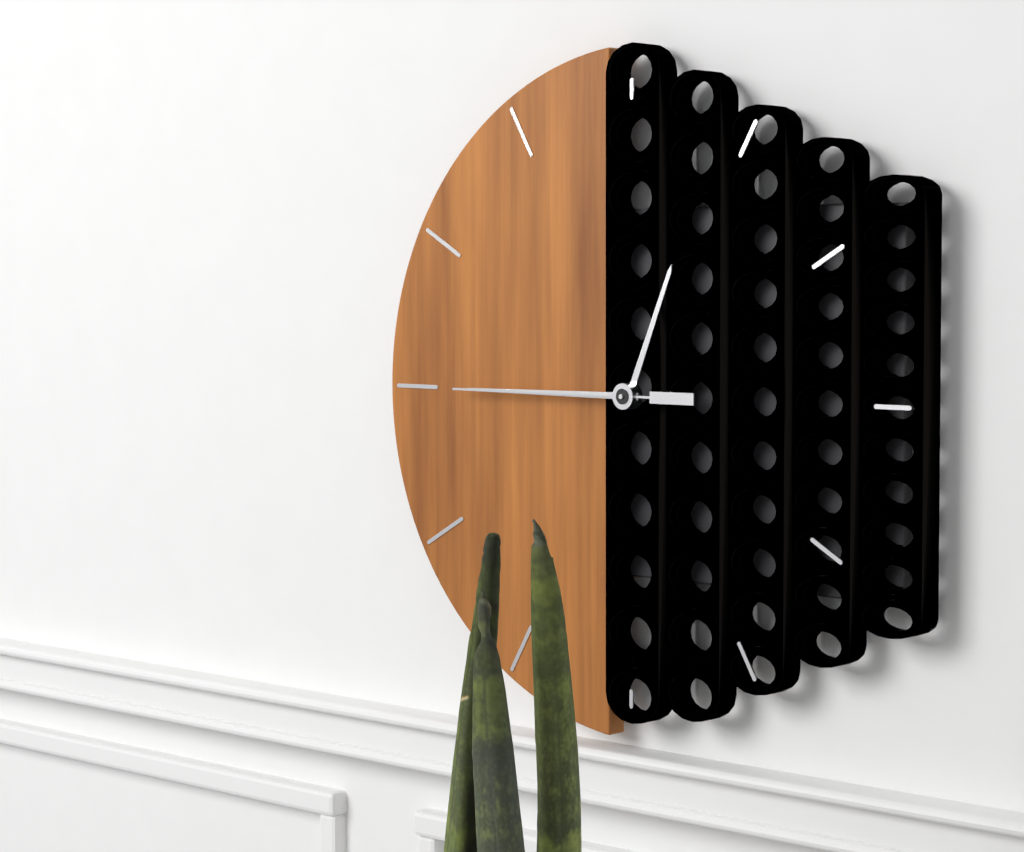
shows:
12,45,45
